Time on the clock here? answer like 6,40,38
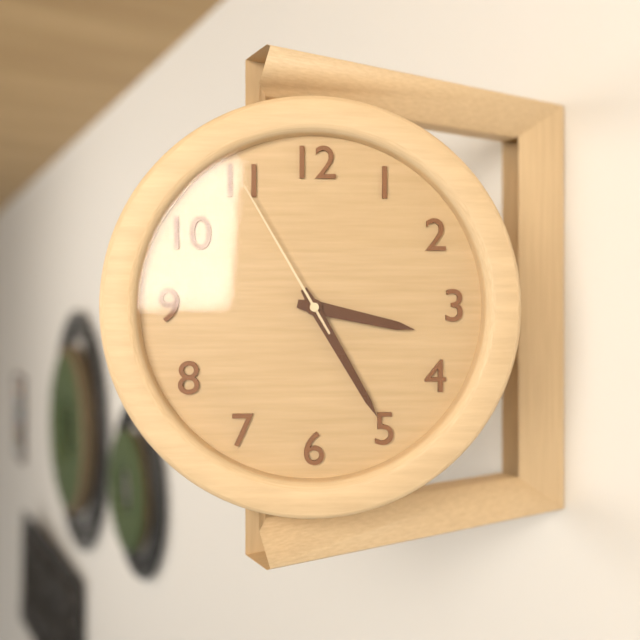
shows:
3,25,55
